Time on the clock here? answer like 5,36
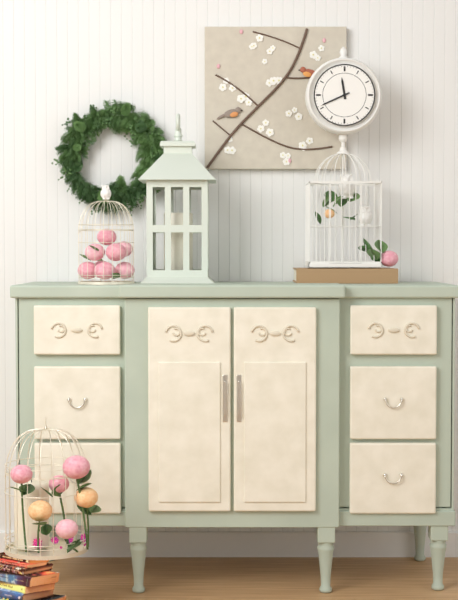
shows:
11,41
